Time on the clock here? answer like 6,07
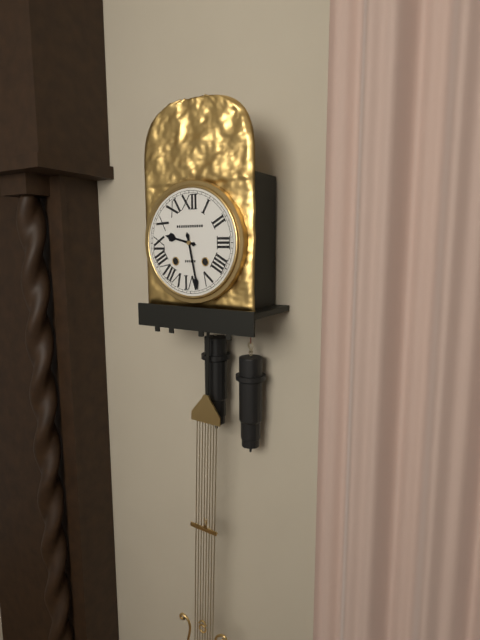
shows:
9,28
